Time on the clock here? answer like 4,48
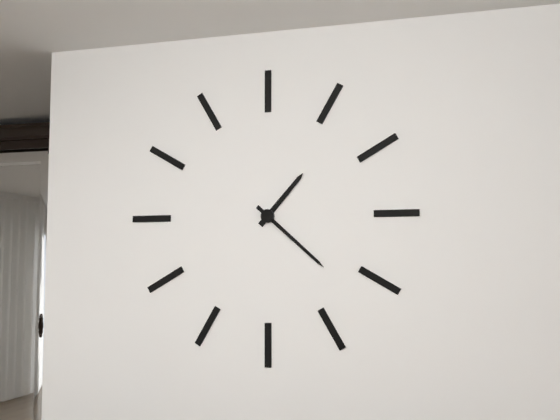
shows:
1,22
